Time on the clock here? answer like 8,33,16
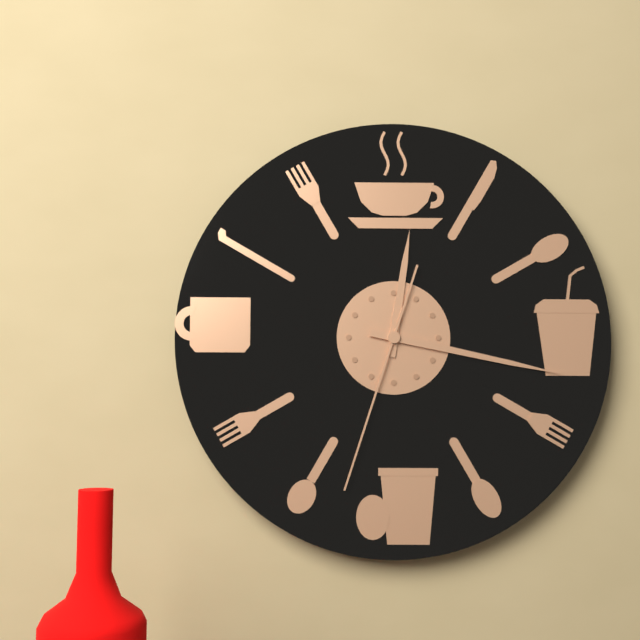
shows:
12,17,33
